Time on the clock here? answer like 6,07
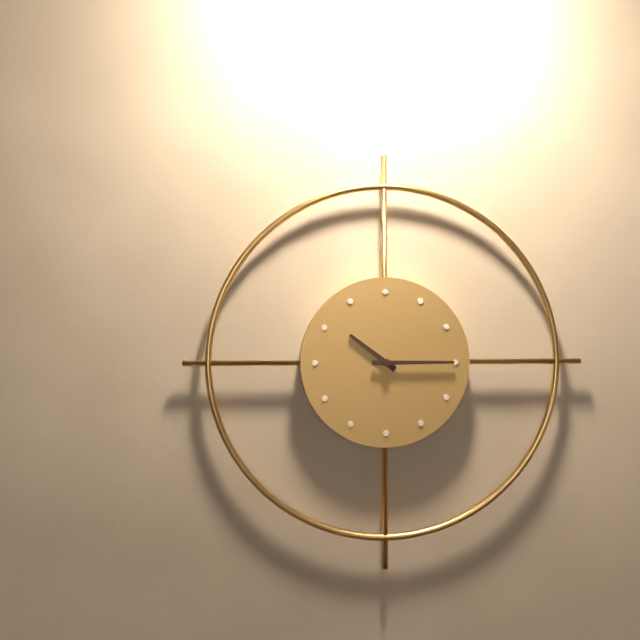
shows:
10,15
